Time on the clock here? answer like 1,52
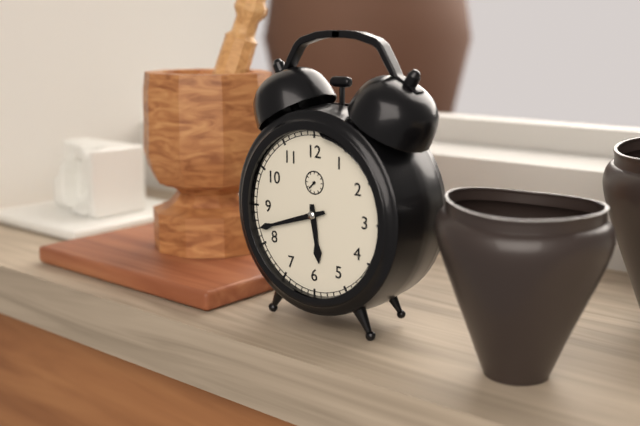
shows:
5,42
